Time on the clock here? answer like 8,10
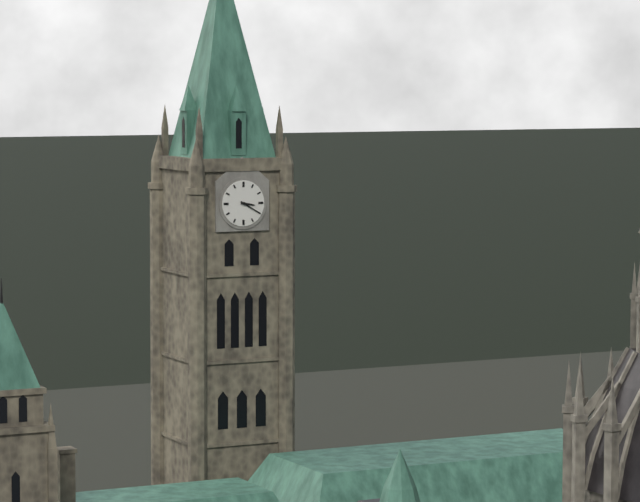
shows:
3,20
